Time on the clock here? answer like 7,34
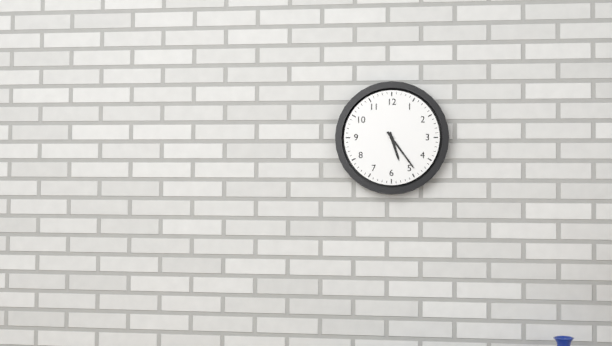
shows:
5,24
